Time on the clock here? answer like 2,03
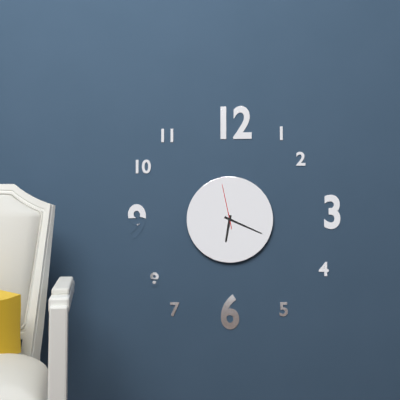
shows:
6,19
